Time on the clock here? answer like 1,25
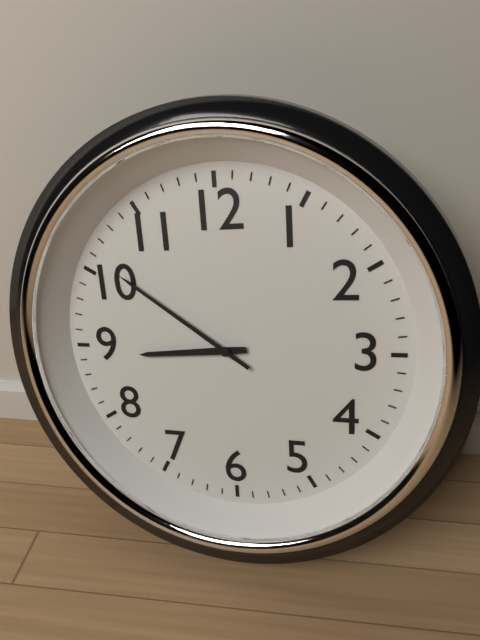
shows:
8,51
